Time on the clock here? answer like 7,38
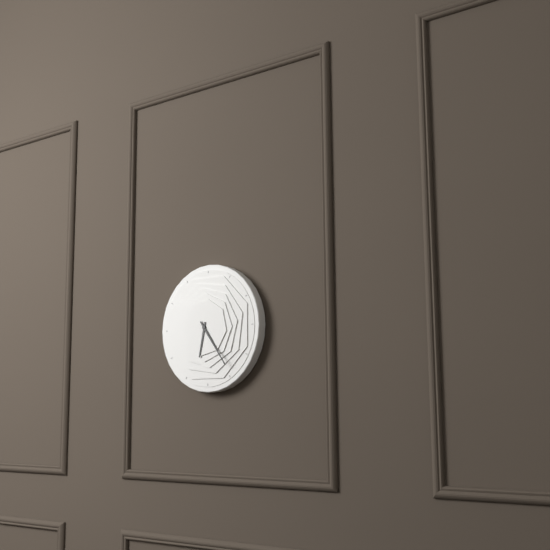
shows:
6,24
